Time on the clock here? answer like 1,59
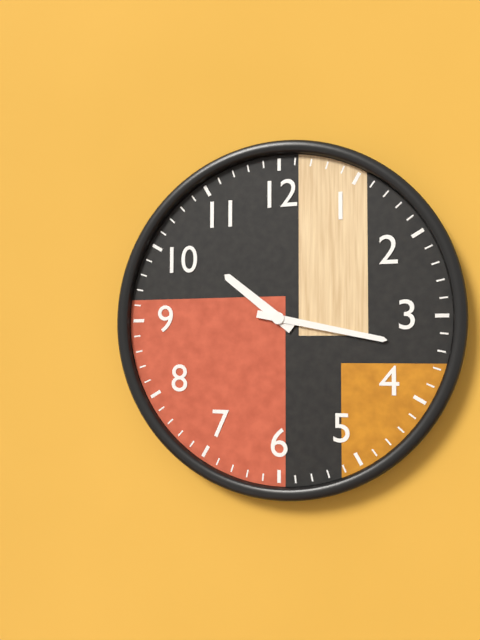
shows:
10,17
